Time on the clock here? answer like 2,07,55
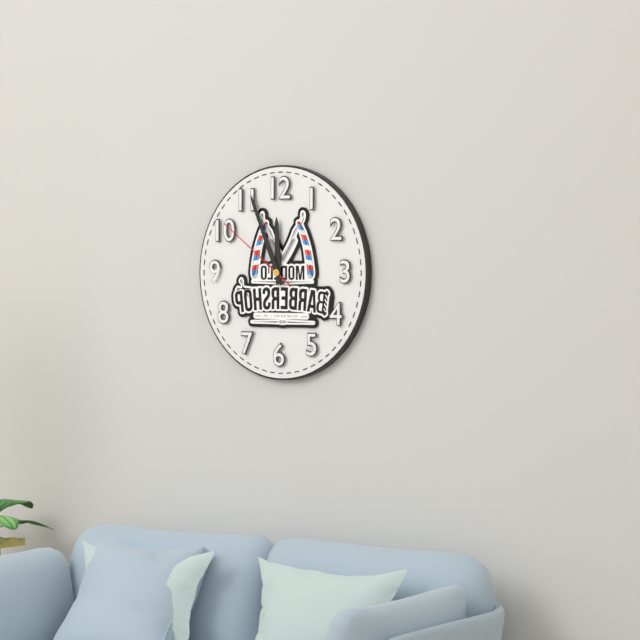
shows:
11,56,51
